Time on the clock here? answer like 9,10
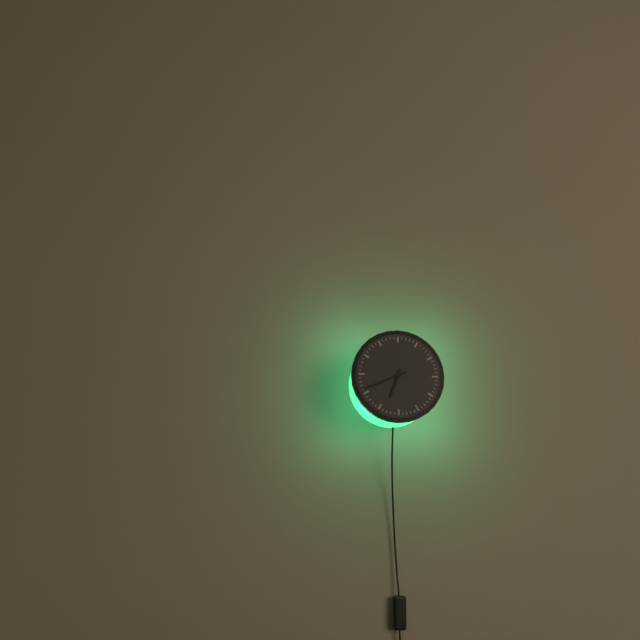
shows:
6,41
